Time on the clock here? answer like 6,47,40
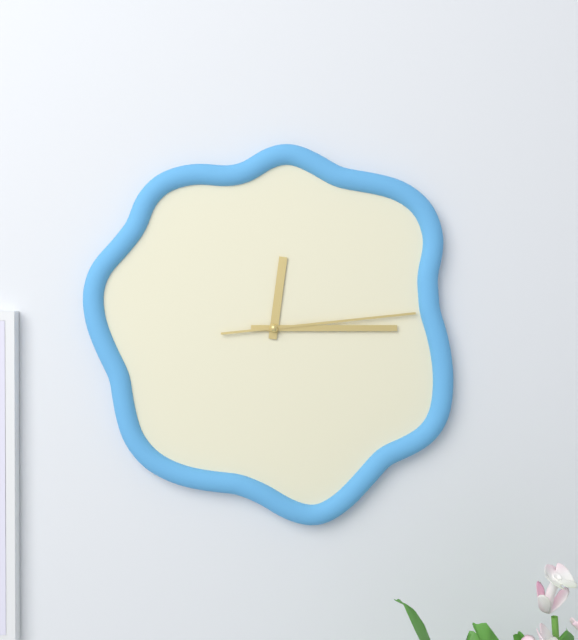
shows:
12,15,14
